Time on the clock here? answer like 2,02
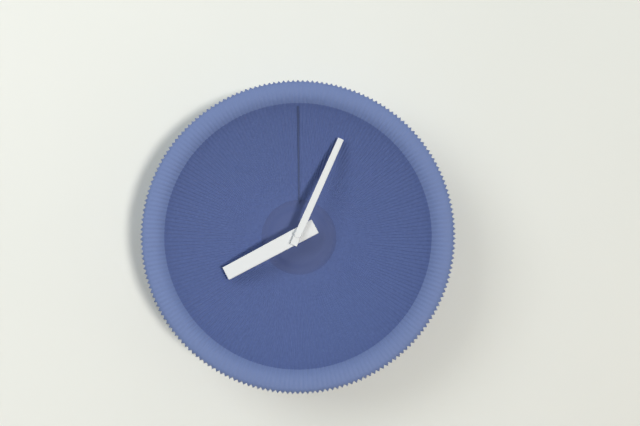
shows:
8,04
